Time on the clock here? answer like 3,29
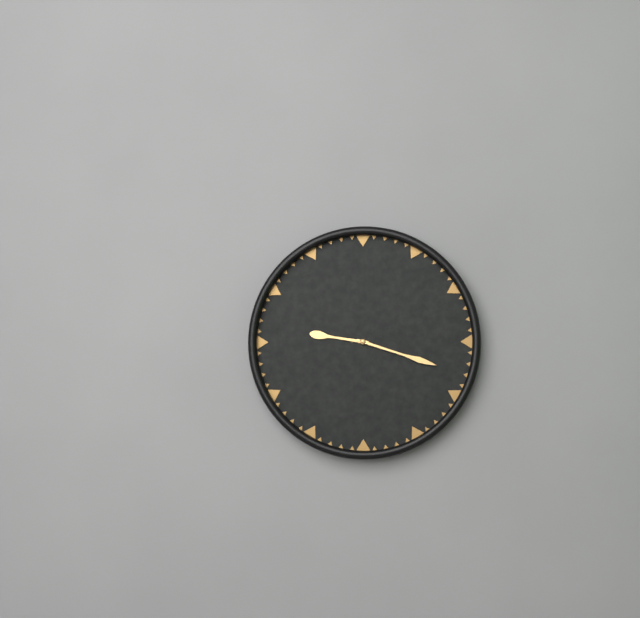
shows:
9,18
